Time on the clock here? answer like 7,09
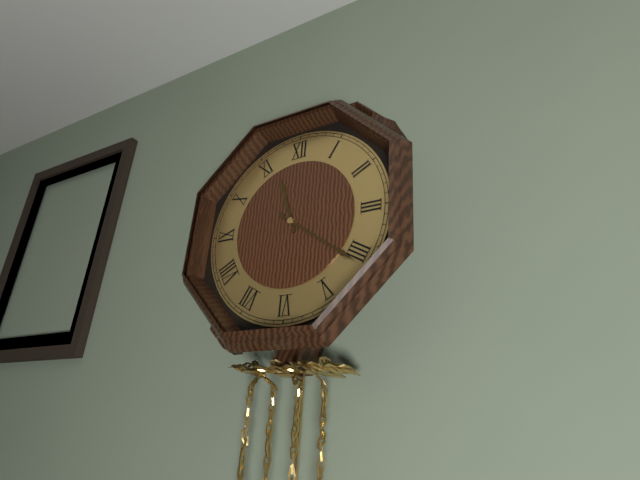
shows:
11,21
